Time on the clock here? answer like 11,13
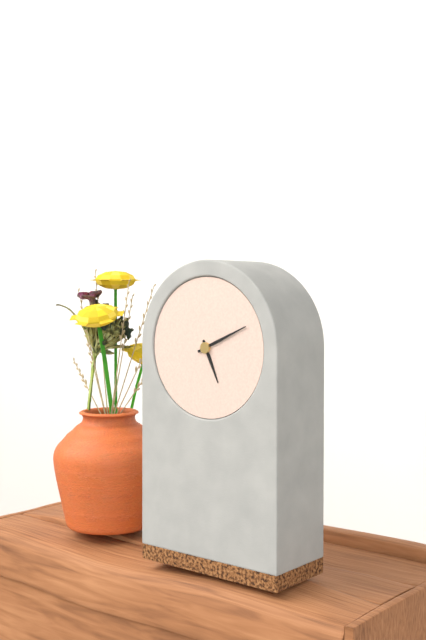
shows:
5,11
